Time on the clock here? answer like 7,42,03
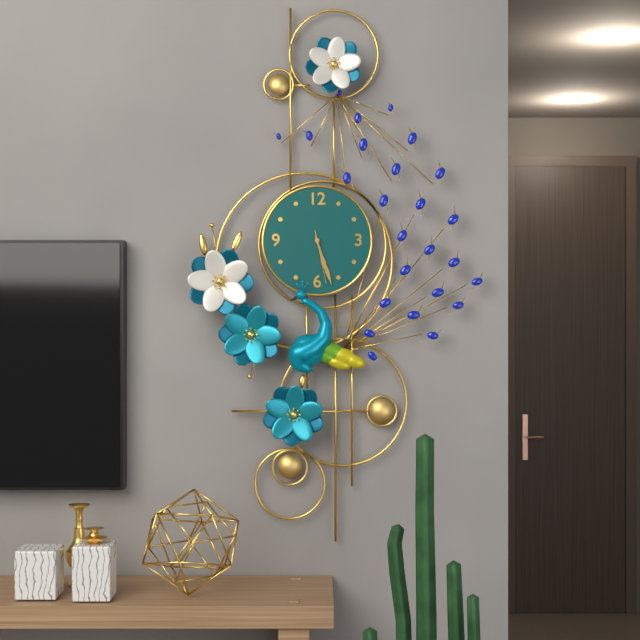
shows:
5,27,28
